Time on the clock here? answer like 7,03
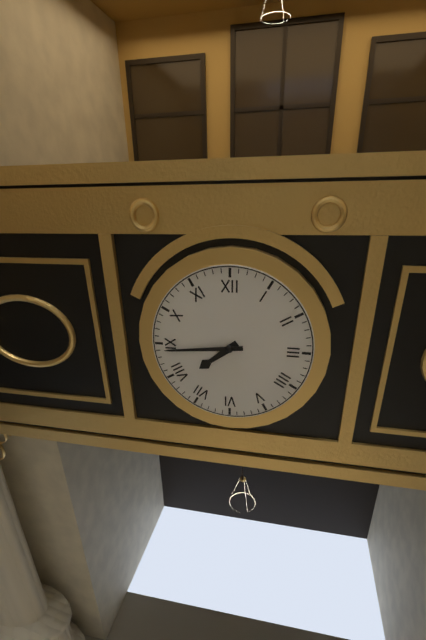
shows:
7,44
